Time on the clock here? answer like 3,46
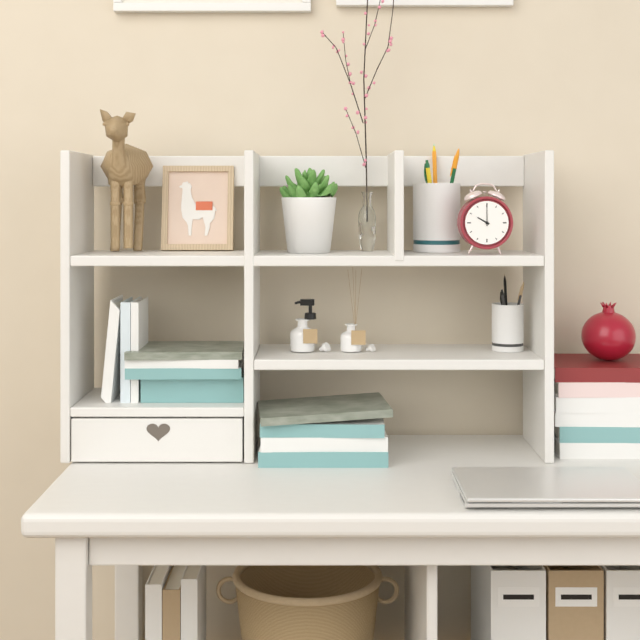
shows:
10,00
